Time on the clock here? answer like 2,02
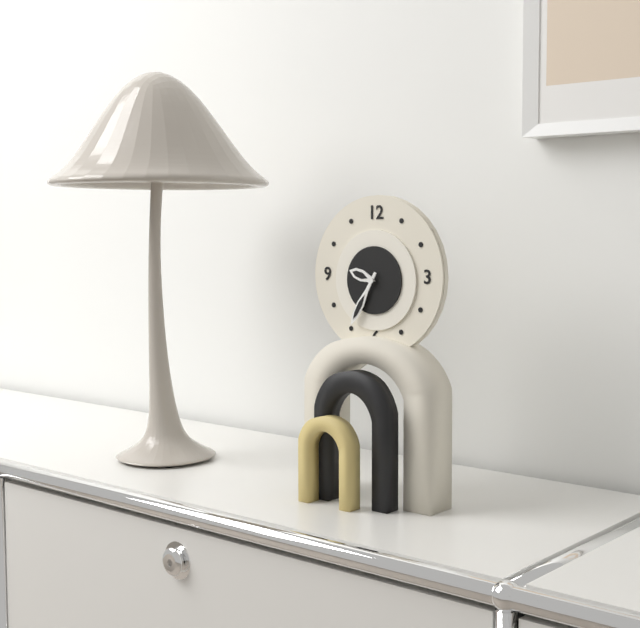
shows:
9,35
